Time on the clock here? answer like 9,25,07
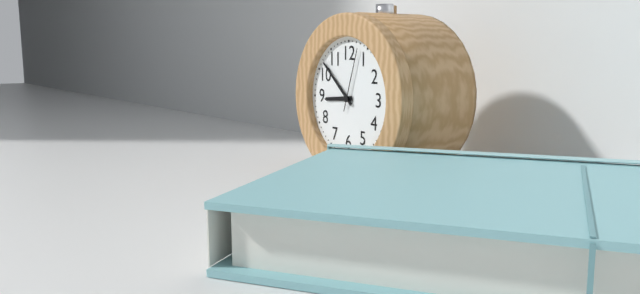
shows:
8,52,03
